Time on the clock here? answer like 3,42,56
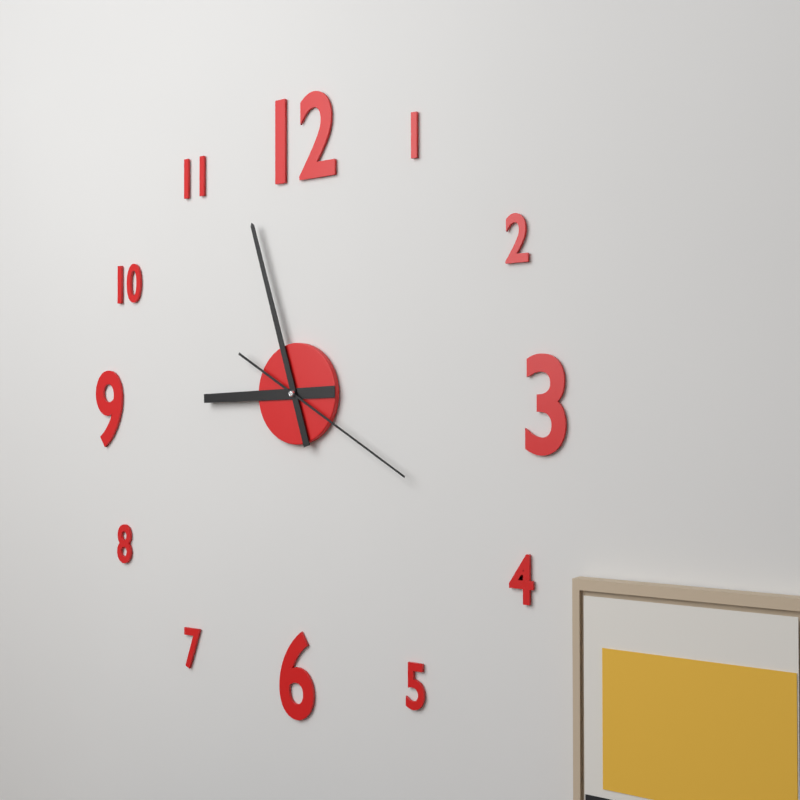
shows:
8,57,20
